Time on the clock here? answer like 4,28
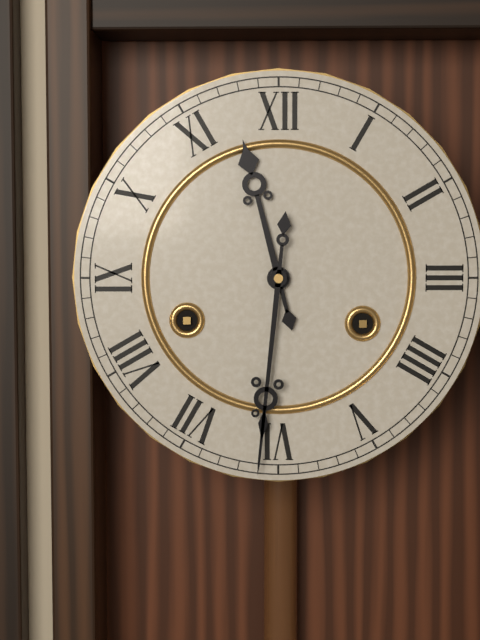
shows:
11,31
